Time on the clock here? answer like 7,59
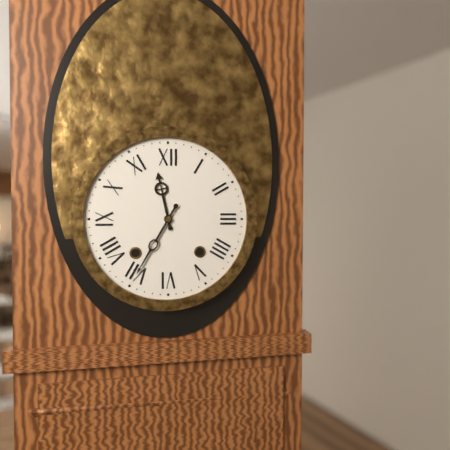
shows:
11,35
